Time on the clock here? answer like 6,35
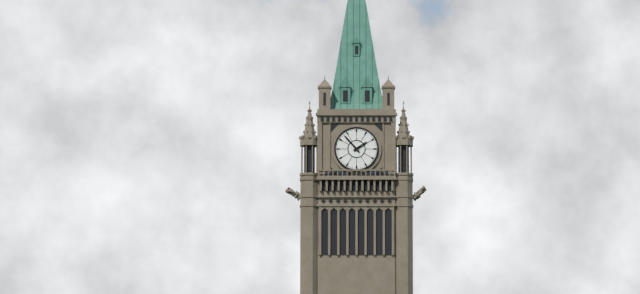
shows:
1,53
